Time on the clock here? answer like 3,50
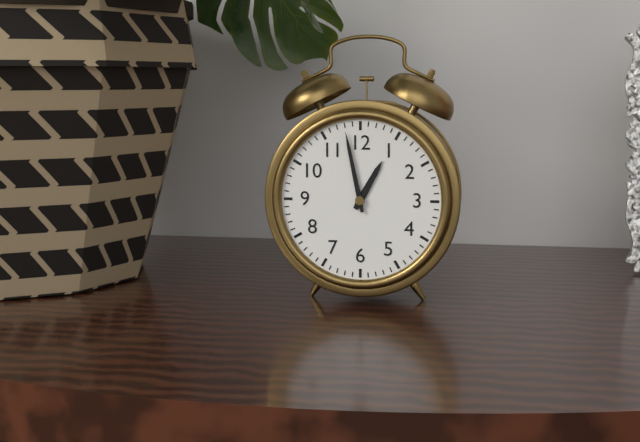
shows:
12,58
